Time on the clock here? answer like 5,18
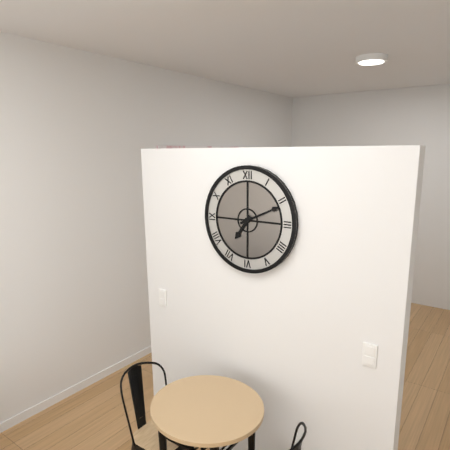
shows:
7,11
